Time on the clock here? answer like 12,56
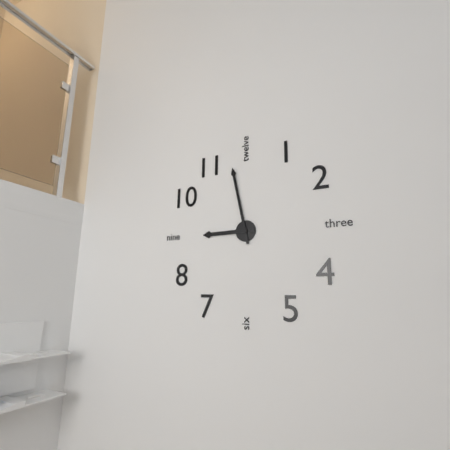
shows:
8,58
